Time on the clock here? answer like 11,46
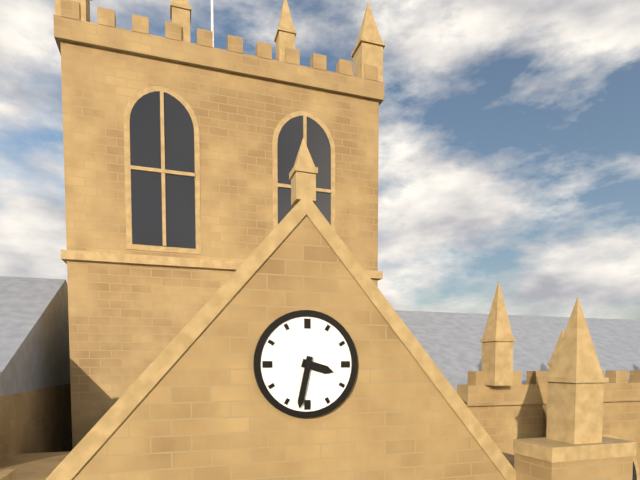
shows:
3,32
